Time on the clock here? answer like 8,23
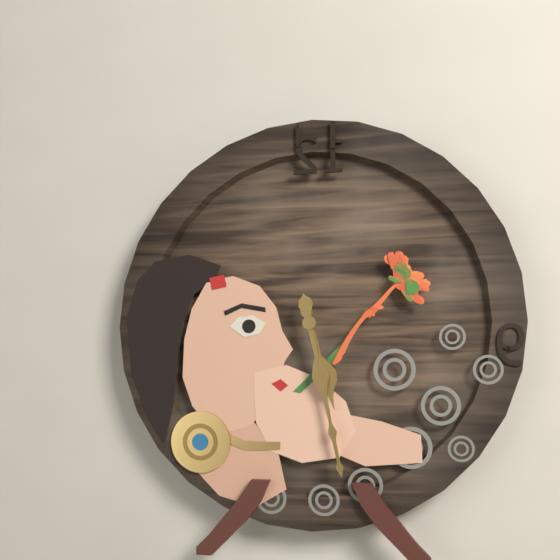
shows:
5,28
